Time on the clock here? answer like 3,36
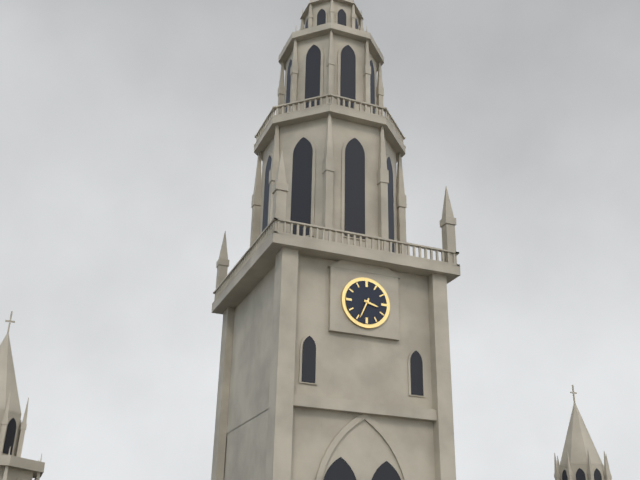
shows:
3,34
